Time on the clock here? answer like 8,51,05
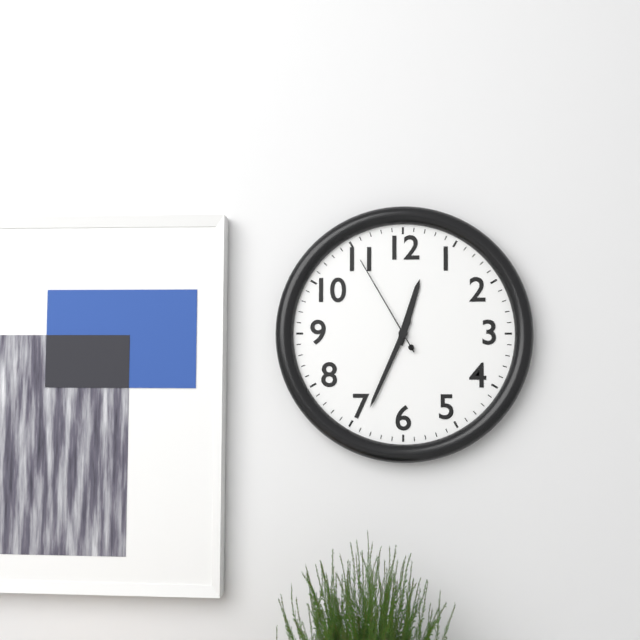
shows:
12,34,55
